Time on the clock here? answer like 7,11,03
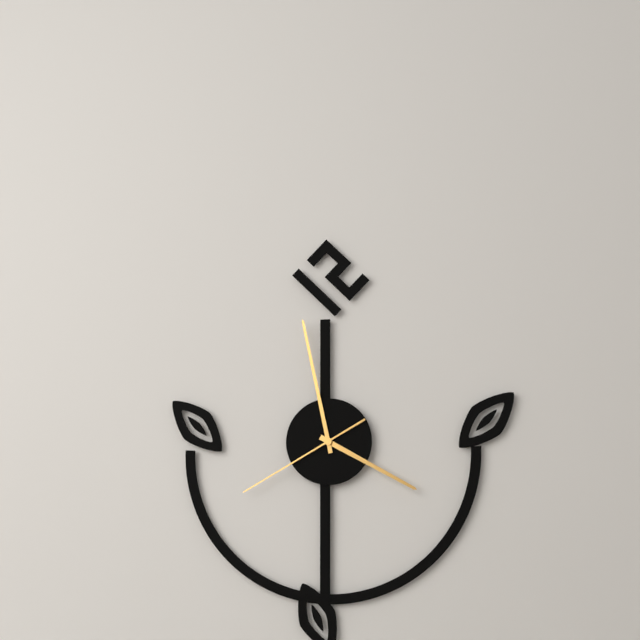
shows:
3,58,40
